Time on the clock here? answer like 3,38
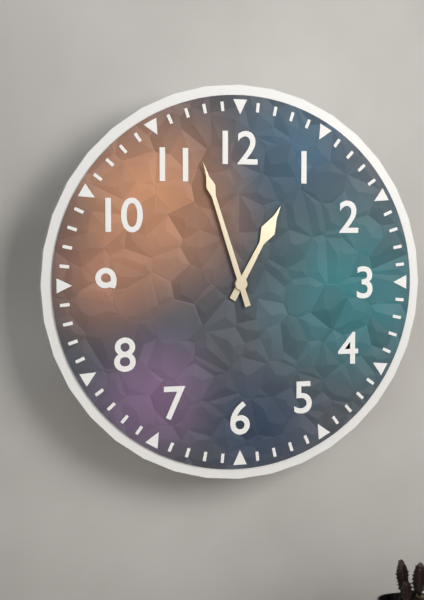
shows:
12,57
